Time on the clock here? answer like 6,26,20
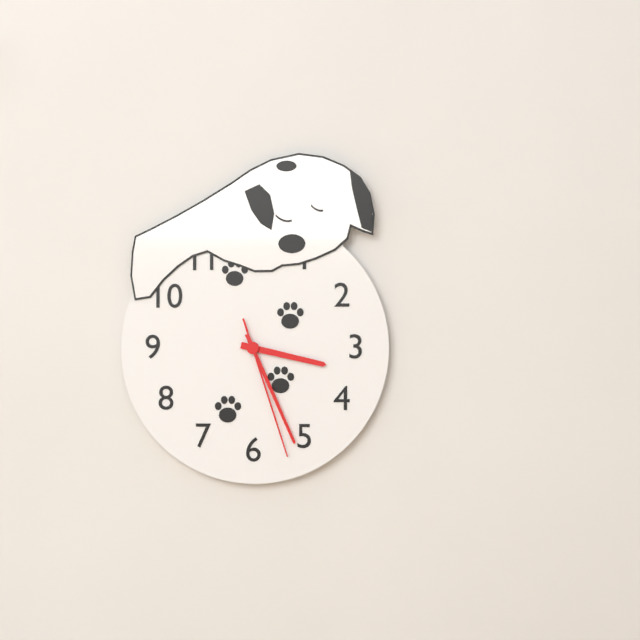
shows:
3,26,27
